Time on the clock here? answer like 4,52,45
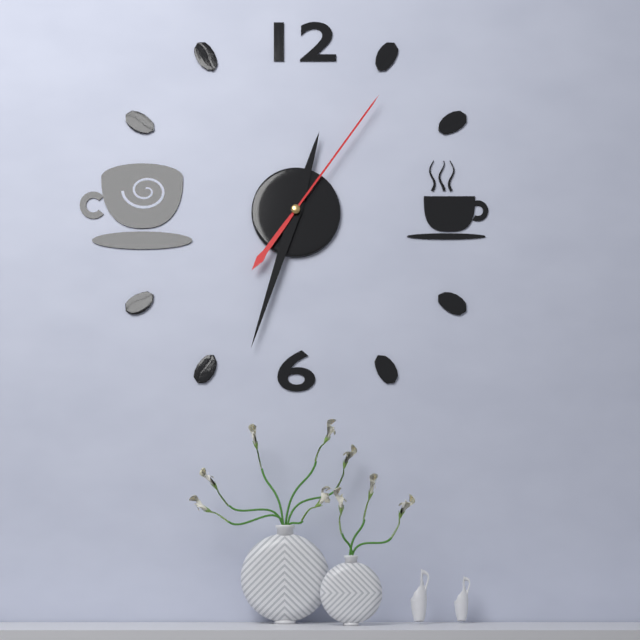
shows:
12,33,06
